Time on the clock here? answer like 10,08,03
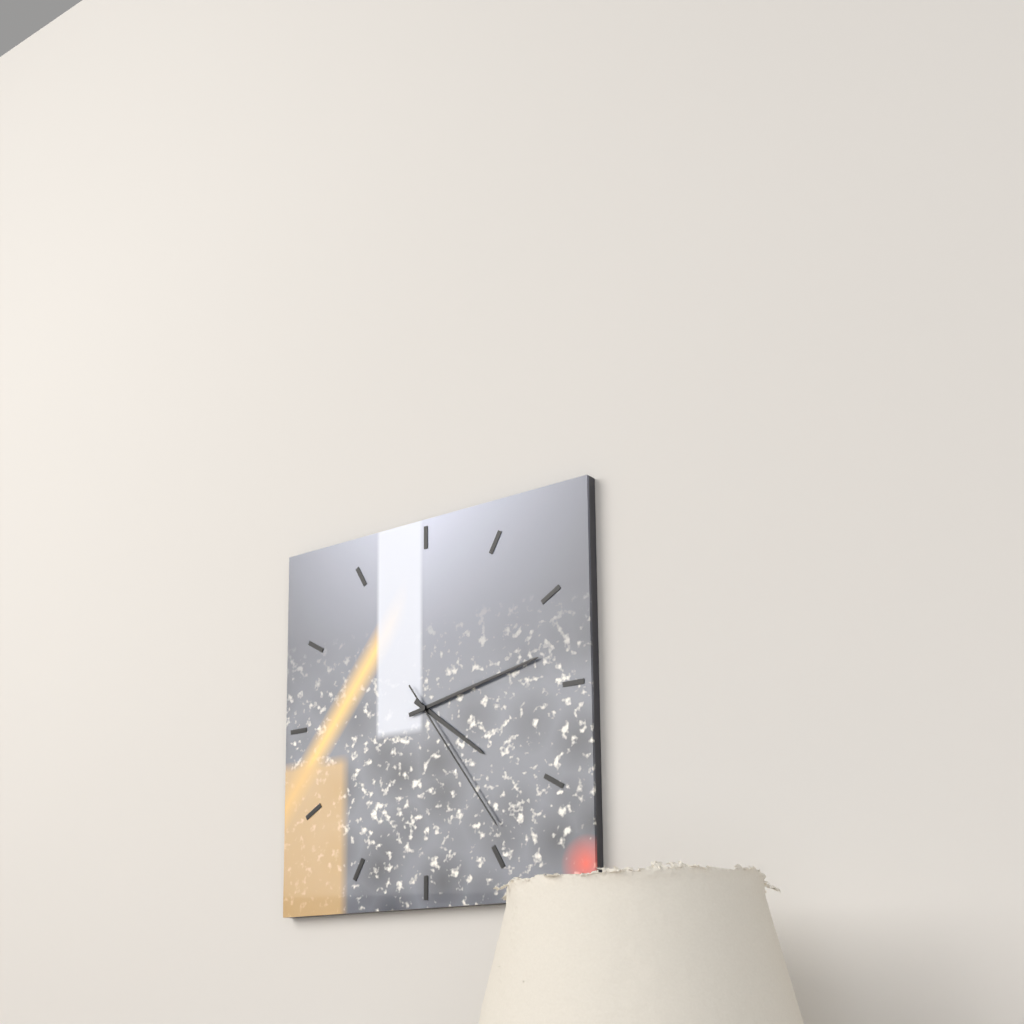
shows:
4,13,24
